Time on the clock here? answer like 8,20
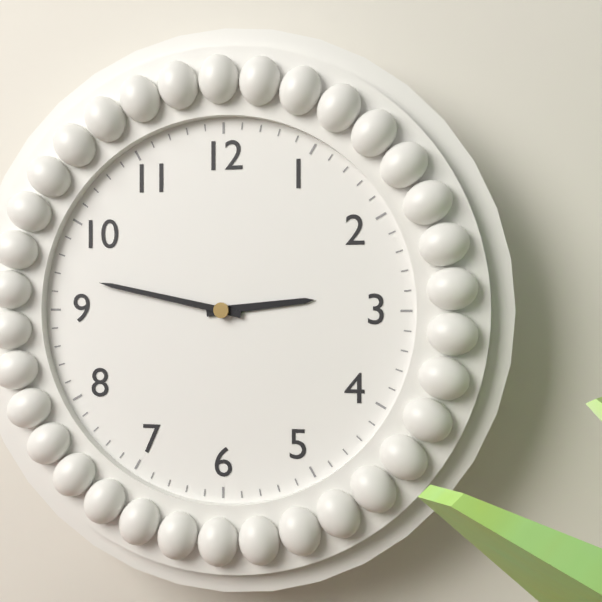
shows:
2,47
